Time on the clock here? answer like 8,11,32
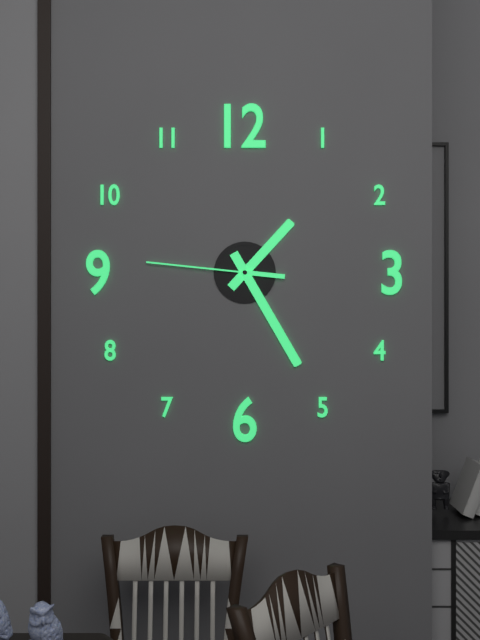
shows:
1,25,46
